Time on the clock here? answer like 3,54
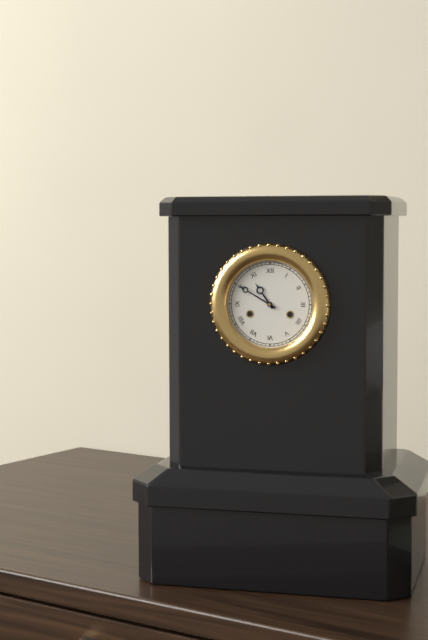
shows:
10,50
